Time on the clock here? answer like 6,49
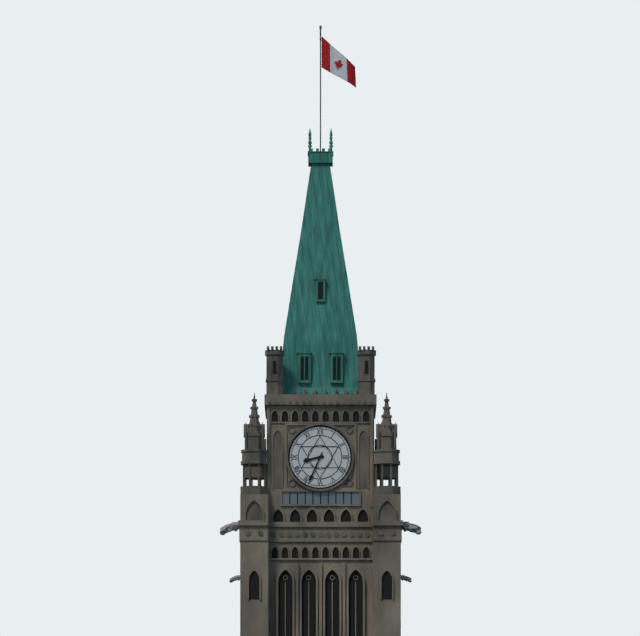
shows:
8,34
